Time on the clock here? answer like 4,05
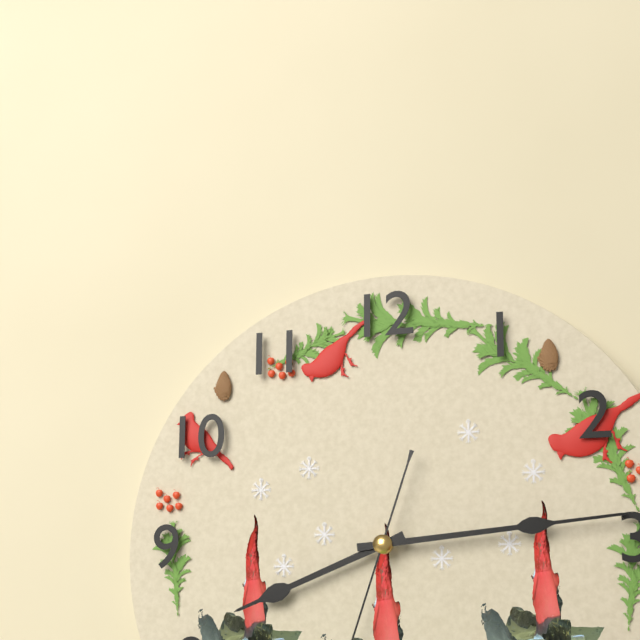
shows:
8,14
